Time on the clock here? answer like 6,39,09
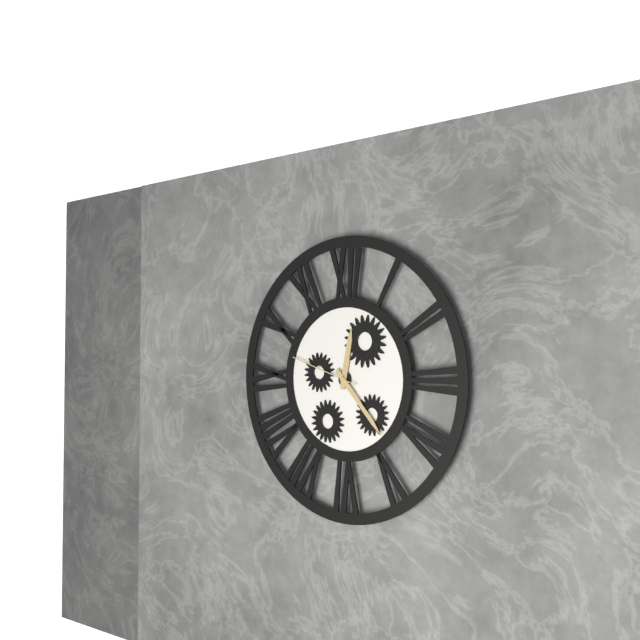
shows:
12,23,48
